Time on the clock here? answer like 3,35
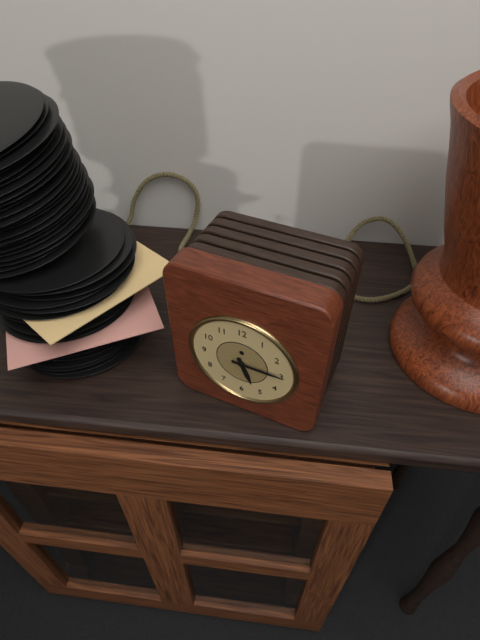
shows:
5,15
